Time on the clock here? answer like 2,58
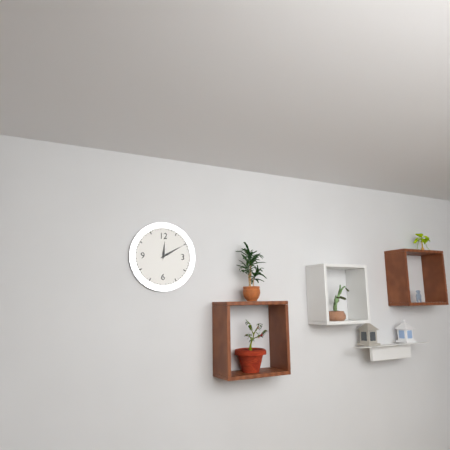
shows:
12,10
